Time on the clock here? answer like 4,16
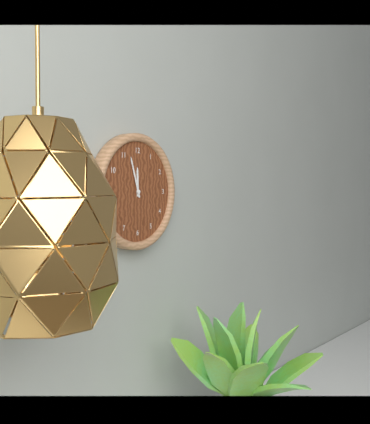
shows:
11,57
